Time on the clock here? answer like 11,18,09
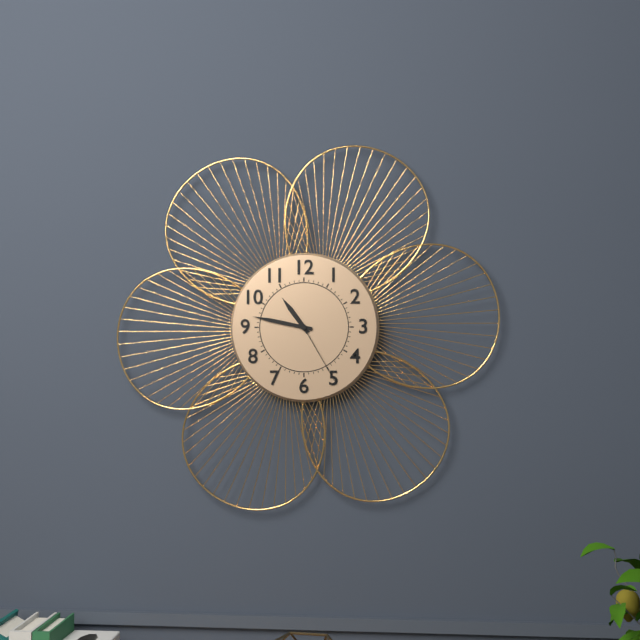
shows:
10,47,25
